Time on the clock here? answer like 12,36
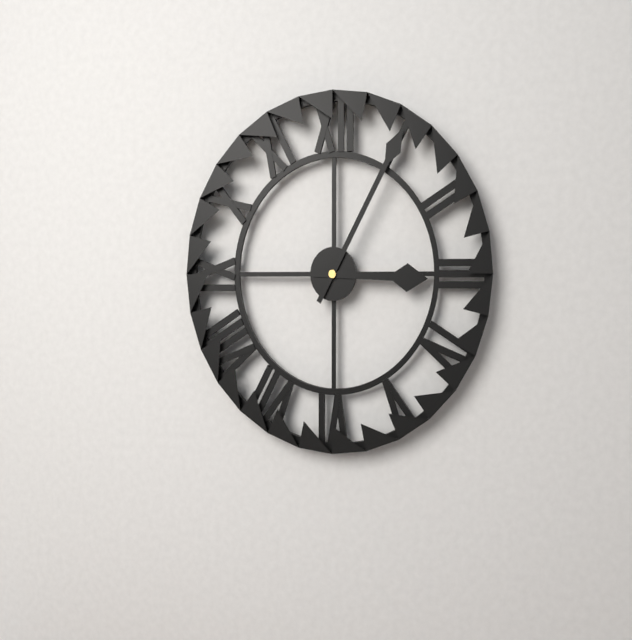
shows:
3,05
